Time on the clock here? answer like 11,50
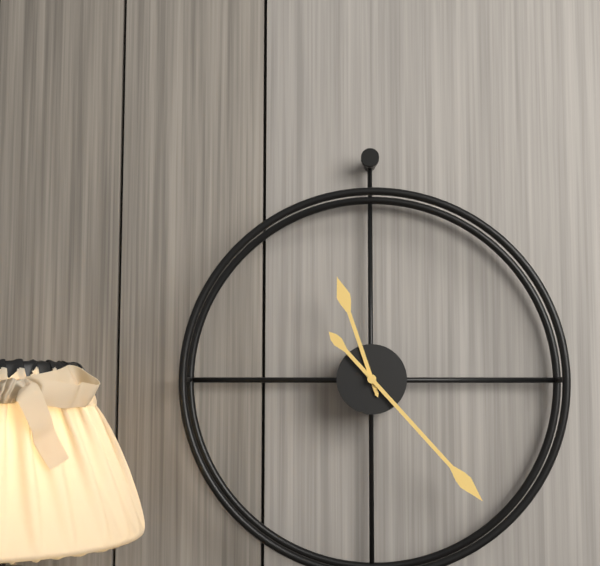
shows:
11,23
